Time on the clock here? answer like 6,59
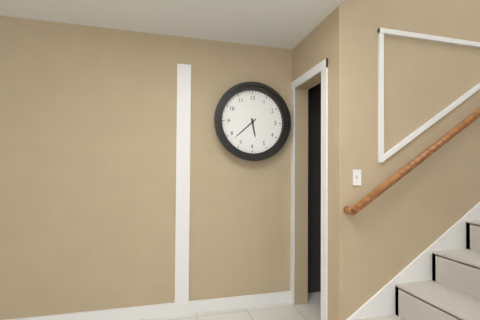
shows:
5,38
